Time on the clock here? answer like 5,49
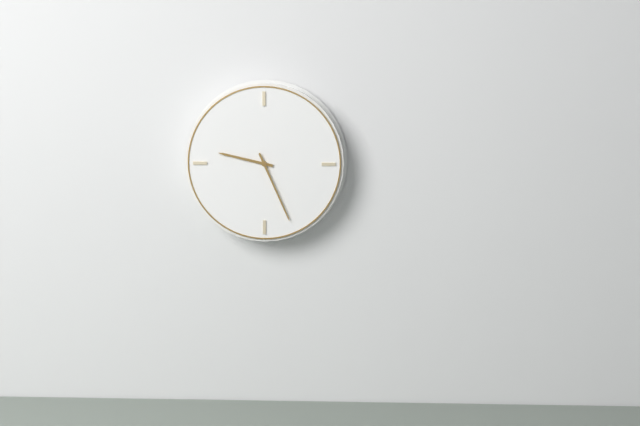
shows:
9,26
